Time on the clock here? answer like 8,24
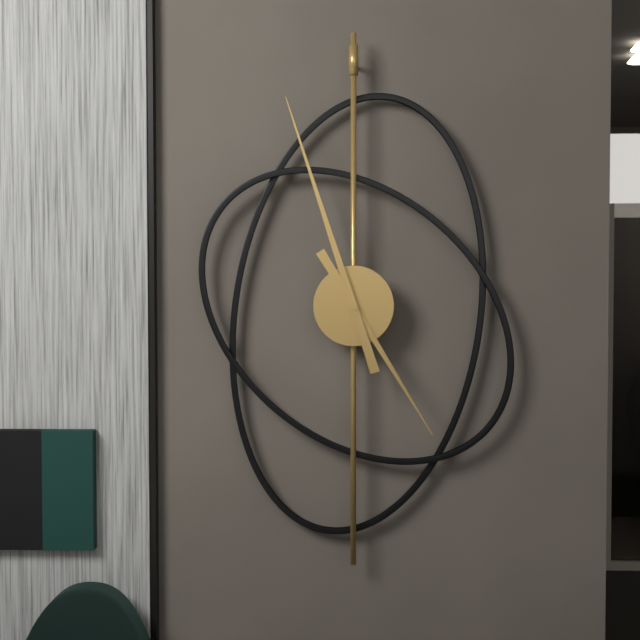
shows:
4,57
